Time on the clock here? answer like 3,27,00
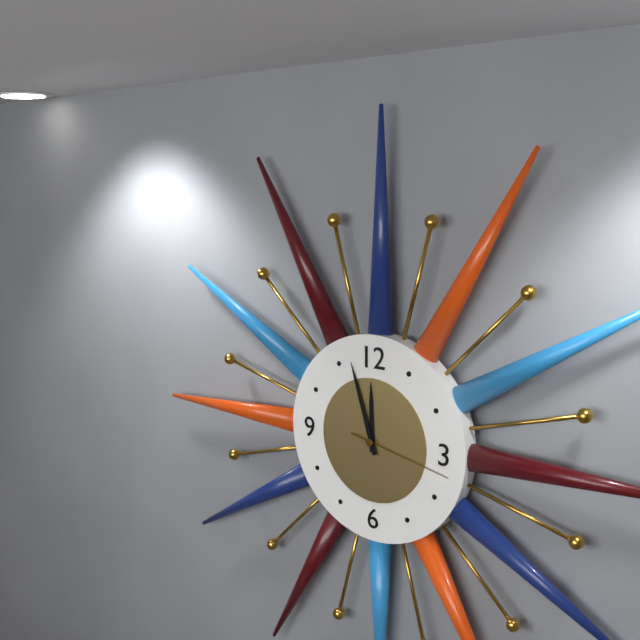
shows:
11,57,17
